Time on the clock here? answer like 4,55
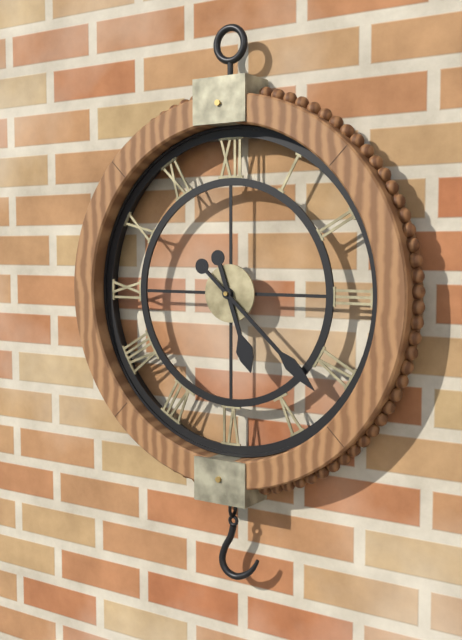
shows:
5,22
